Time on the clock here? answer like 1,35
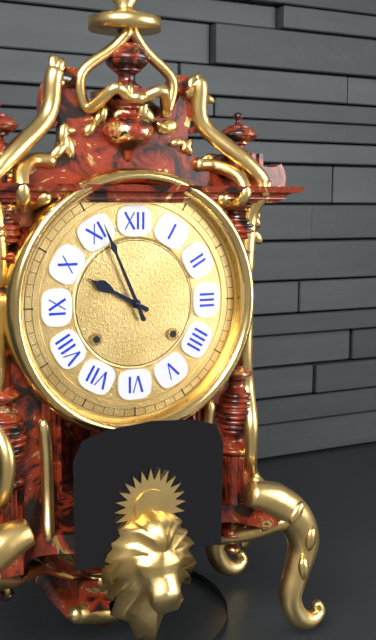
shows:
9,56
